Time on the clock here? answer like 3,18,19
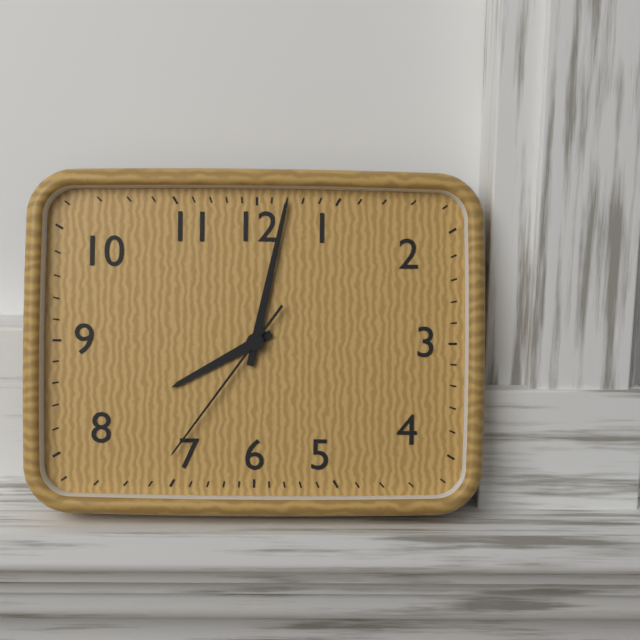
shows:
8,02,36
